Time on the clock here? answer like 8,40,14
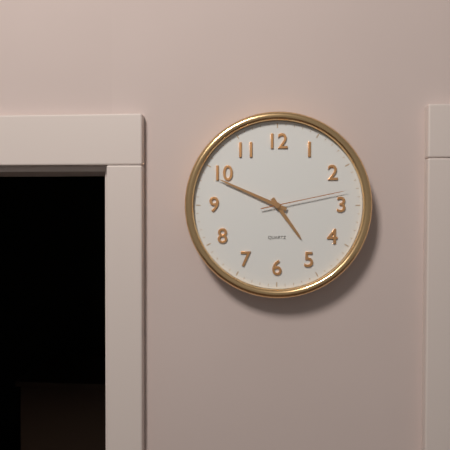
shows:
4,49,13
